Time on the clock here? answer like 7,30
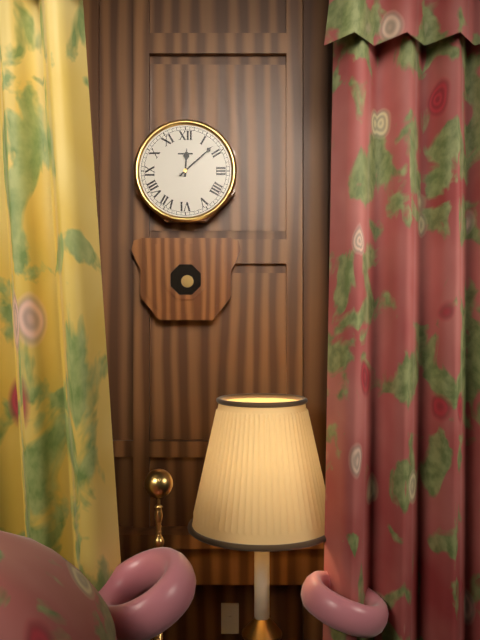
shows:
12,08
